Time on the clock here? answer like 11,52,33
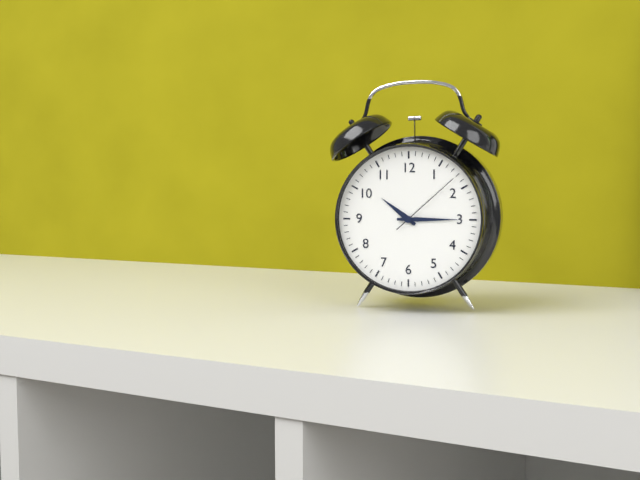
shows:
10,15,08
